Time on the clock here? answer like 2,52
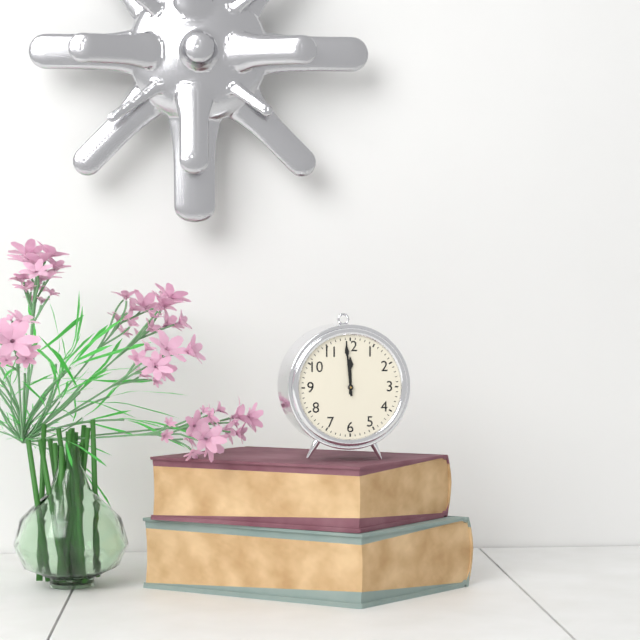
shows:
11,59
